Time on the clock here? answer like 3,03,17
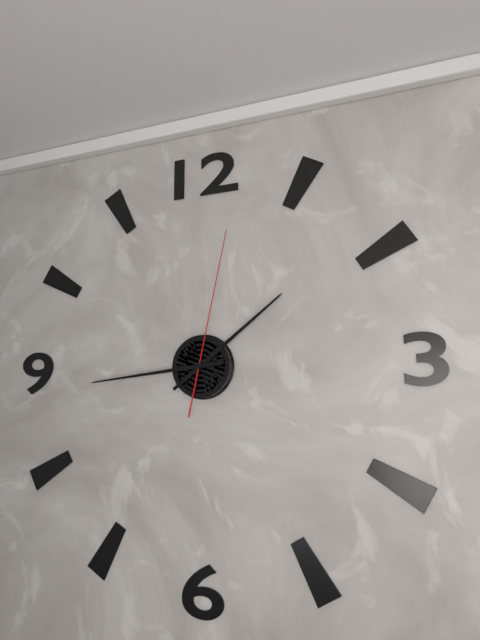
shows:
1,44,02
